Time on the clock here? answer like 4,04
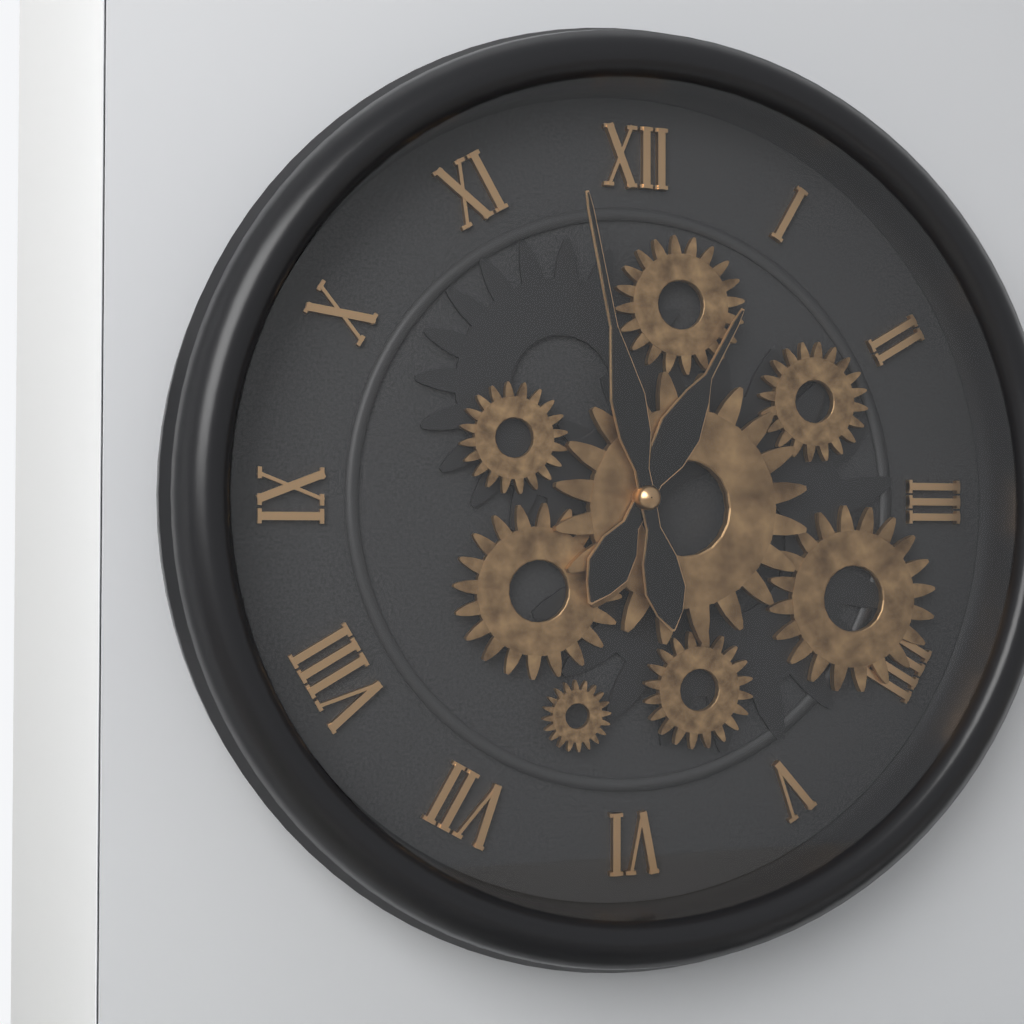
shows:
12,58
